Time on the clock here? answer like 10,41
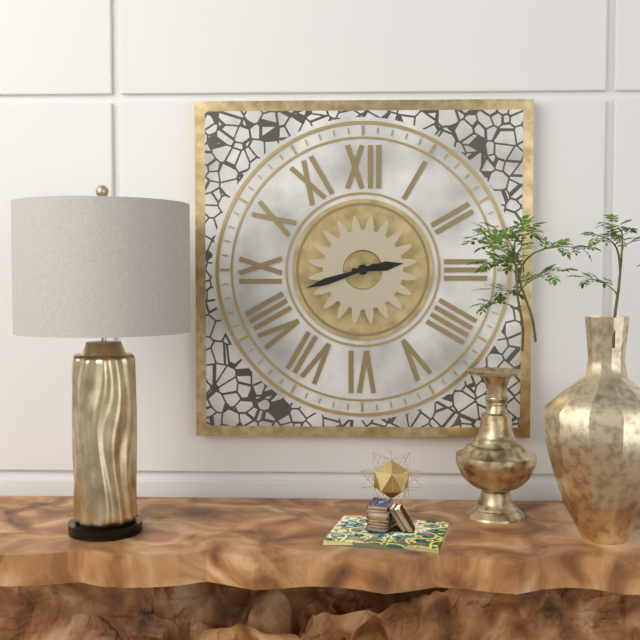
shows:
2,42
